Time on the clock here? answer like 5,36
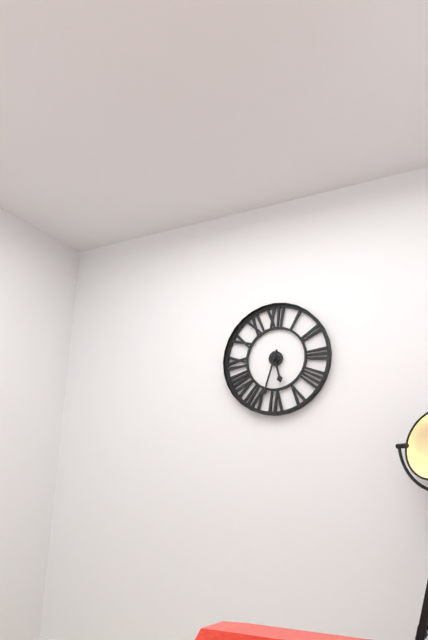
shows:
5,33
